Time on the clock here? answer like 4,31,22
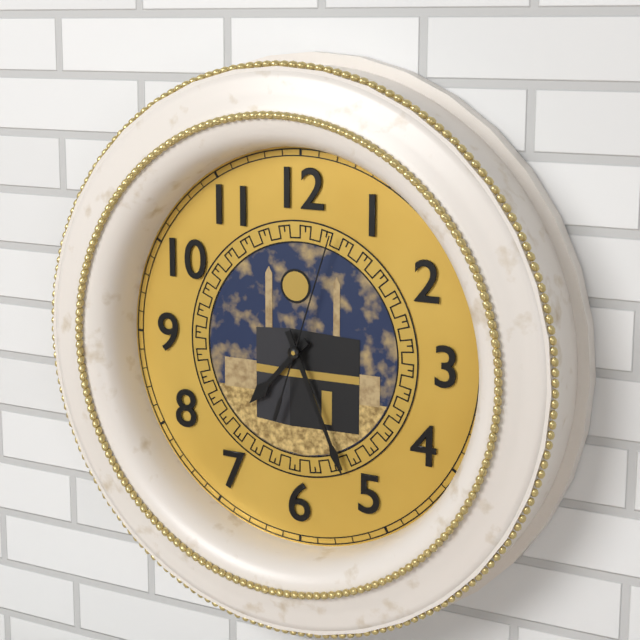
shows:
7,26,03
